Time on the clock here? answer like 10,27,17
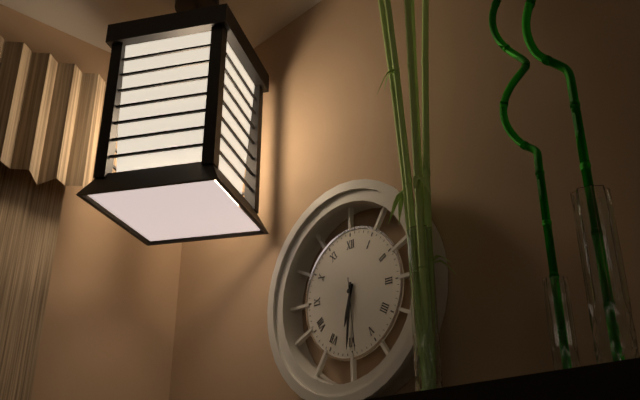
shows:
6,31,29
